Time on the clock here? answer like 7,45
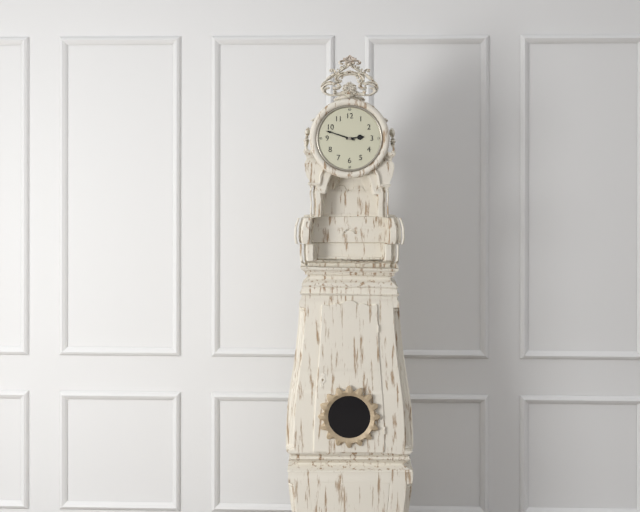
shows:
2,48
